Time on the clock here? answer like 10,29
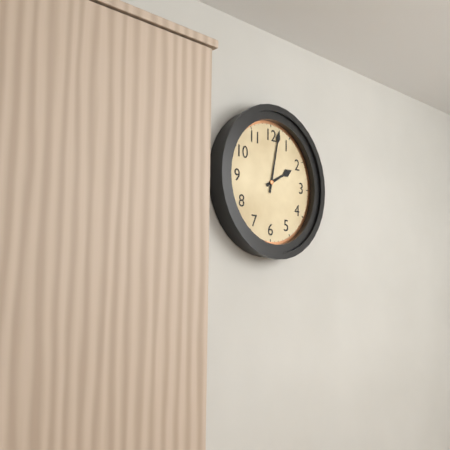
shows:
2,02
